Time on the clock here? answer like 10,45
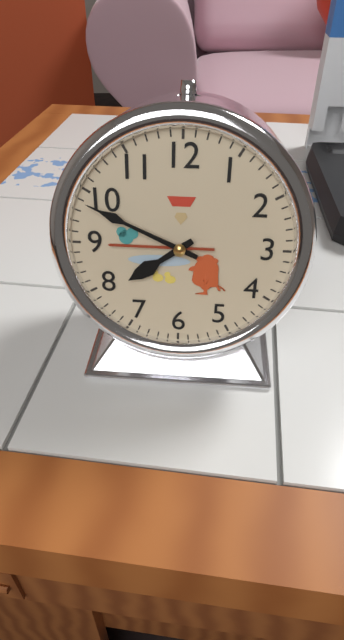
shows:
7,49
